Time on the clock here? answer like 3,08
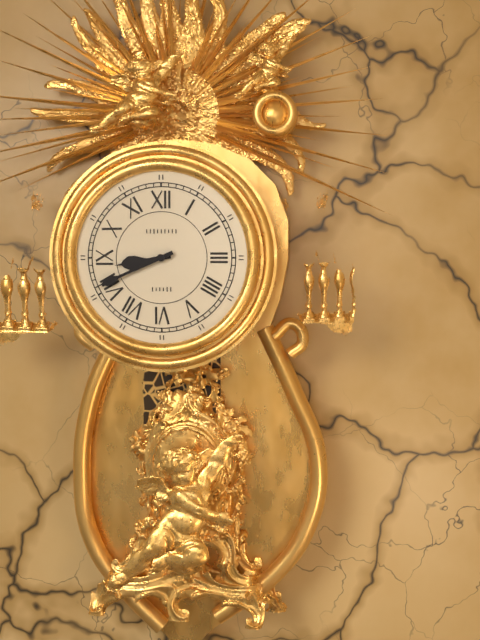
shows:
8,41
